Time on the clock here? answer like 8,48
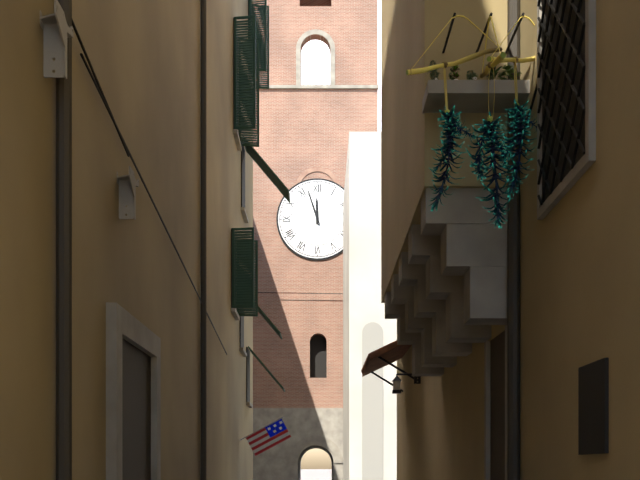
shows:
11,57
